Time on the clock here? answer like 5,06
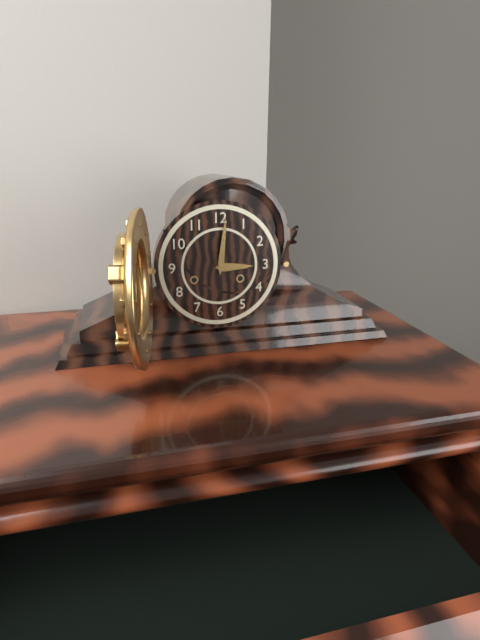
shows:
3,01
